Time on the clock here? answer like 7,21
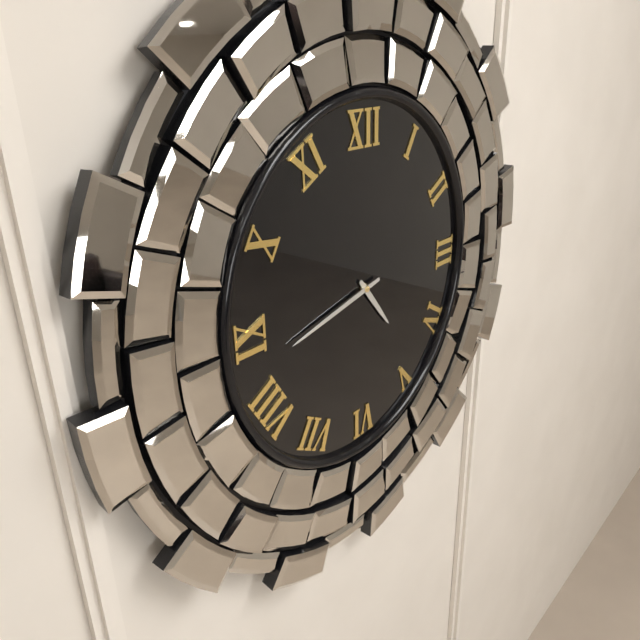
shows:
4,43
